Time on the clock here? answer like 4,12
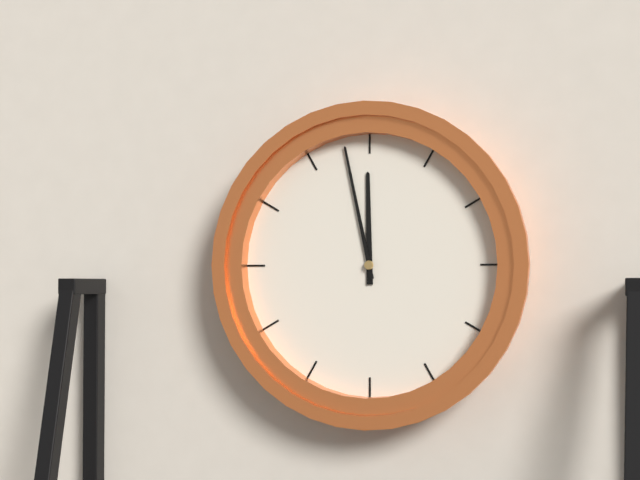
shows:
11,58
